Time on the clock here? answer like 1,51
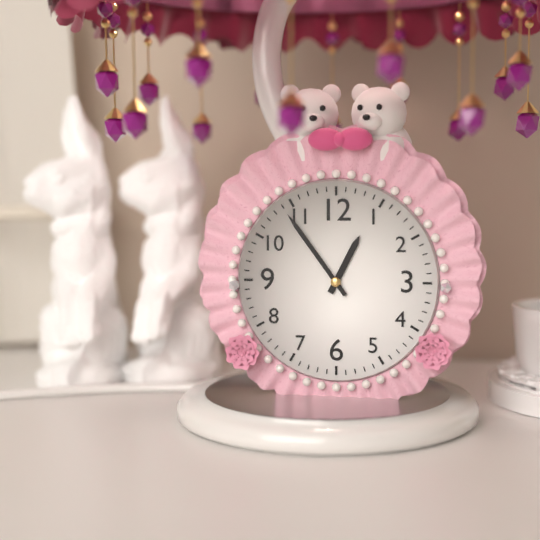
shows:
12,54
